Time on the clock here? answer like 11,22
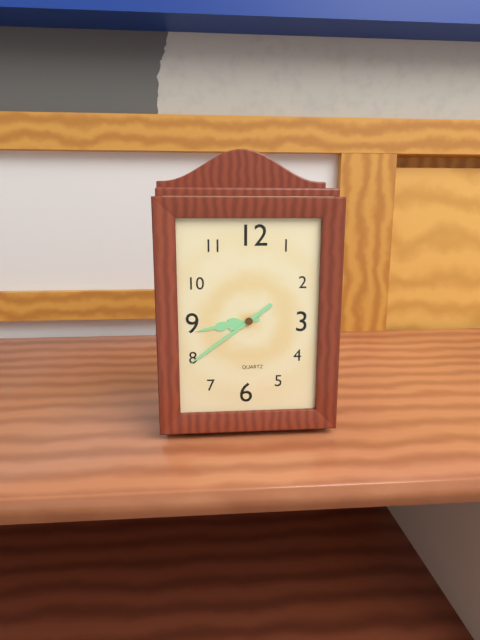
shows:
8,39
